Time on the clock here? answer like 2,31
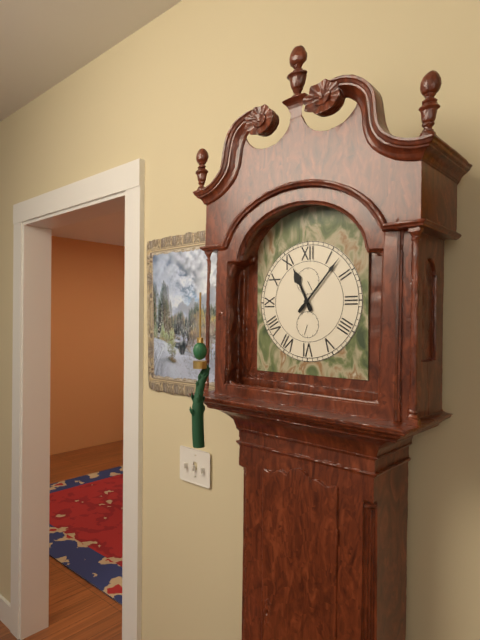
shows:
11,07
